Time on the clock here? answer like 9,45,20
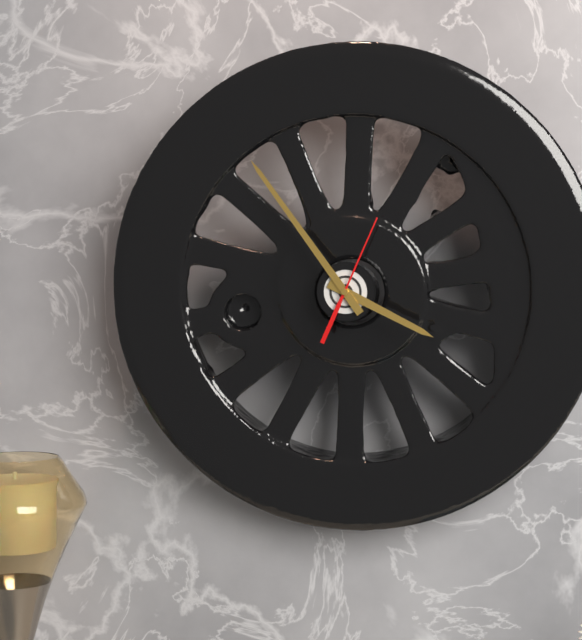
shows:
3,54,04
